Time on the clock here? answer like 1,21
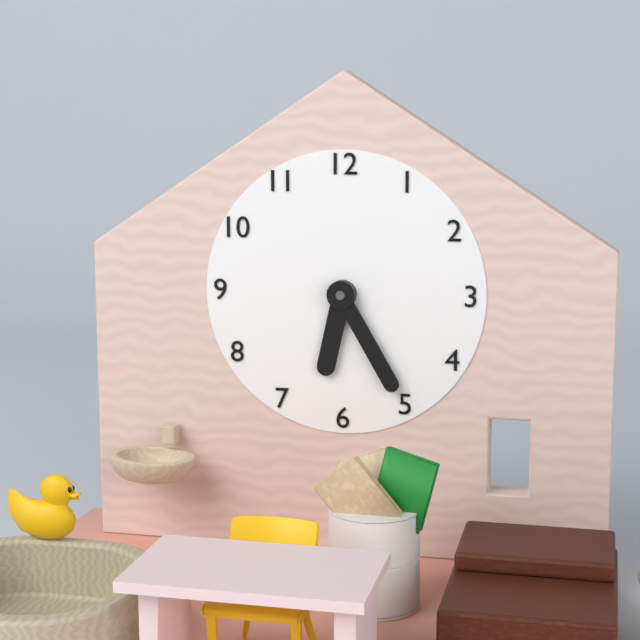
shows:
6,25
